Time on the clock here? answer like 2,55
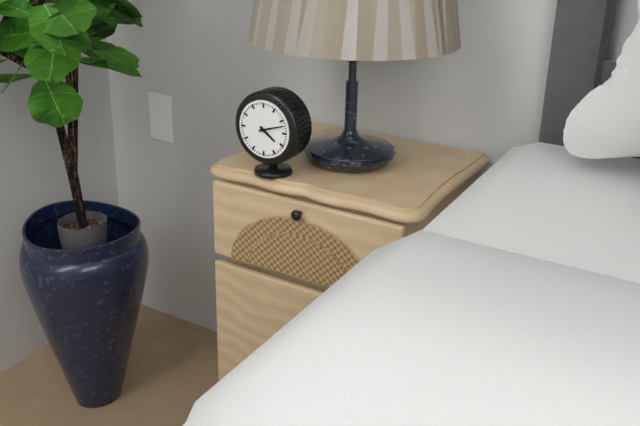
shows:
4,12
